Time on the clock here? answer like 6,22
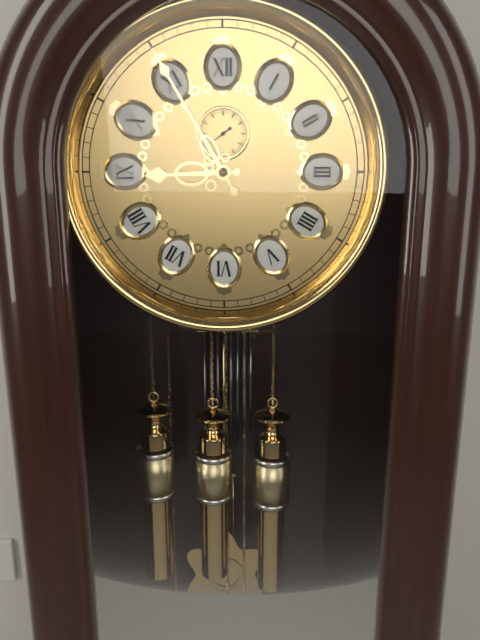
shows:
8,55
